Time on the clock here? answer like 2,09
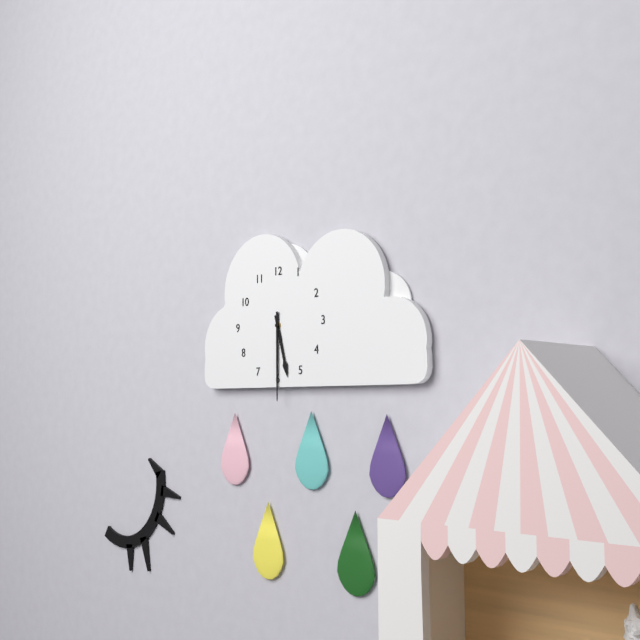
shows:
5,30
